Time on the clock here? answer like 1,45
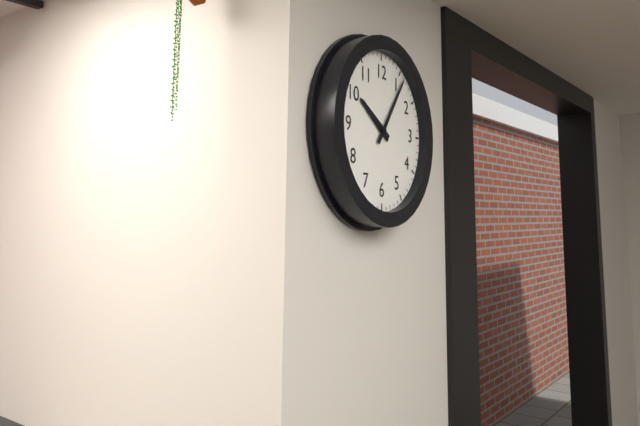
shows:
10,06
